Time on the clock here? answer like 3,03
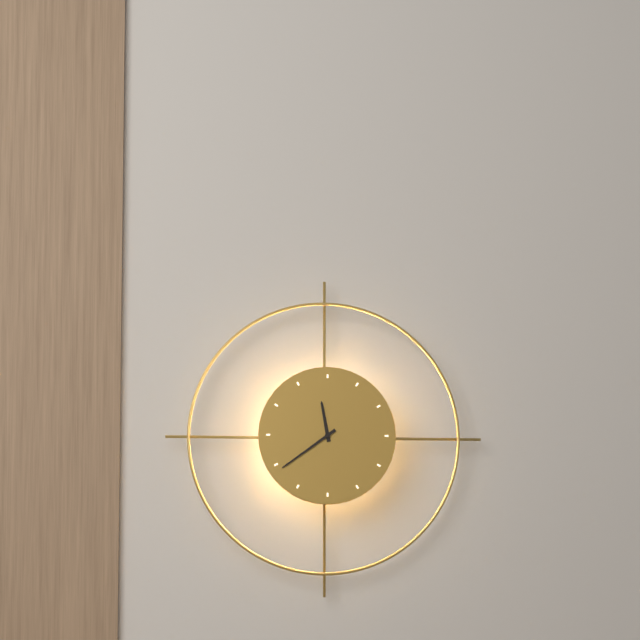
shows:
11,39
